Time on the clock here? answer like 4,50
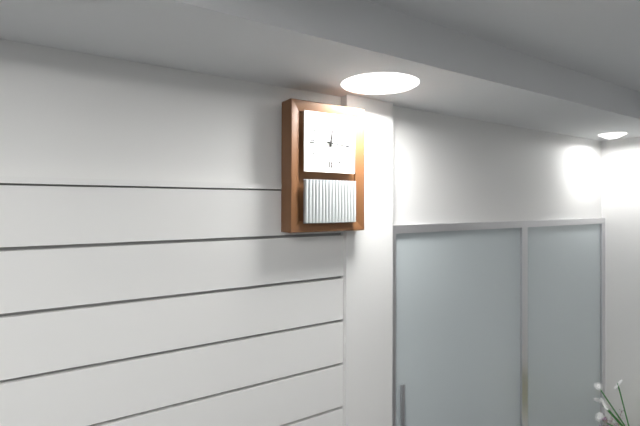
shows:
12,16
